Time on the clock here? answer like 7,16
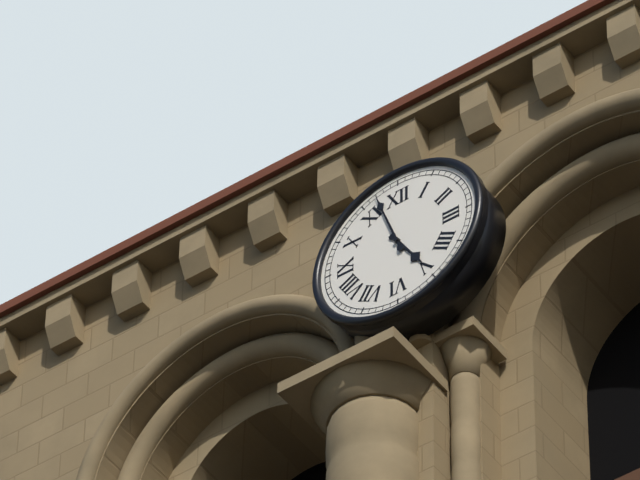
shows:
4,57
